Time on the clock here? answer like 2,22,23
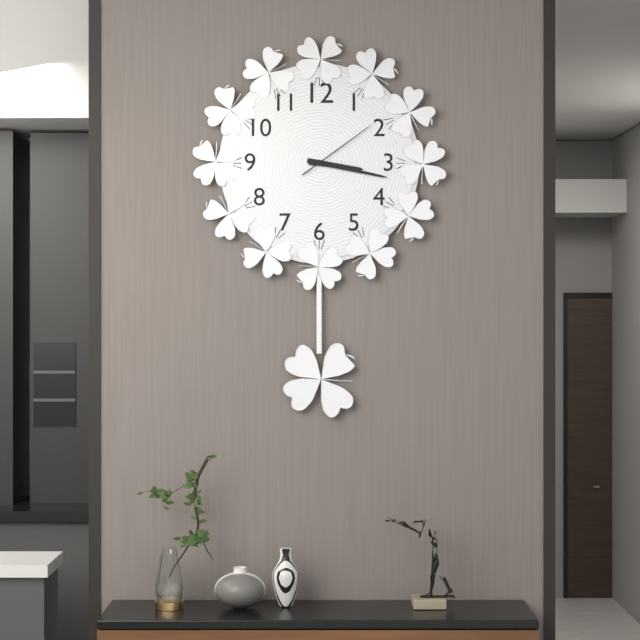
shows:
3,17,09
